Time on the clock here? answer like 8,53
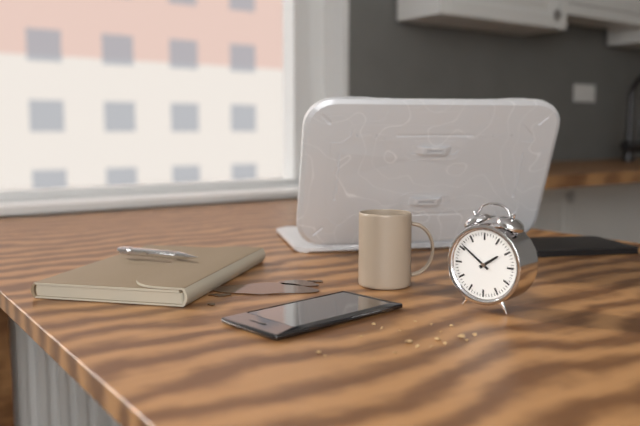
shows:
1,51
